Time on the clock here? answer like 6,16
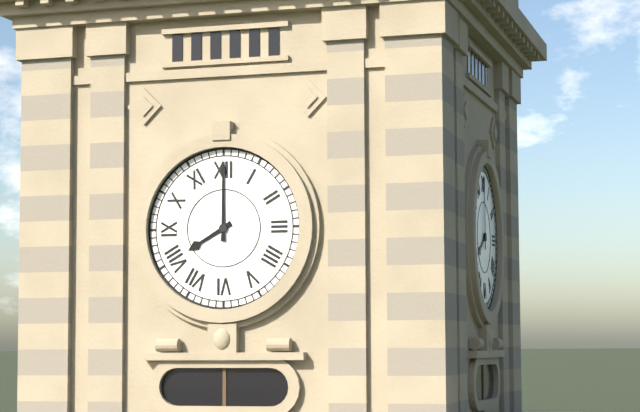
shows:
8,00
